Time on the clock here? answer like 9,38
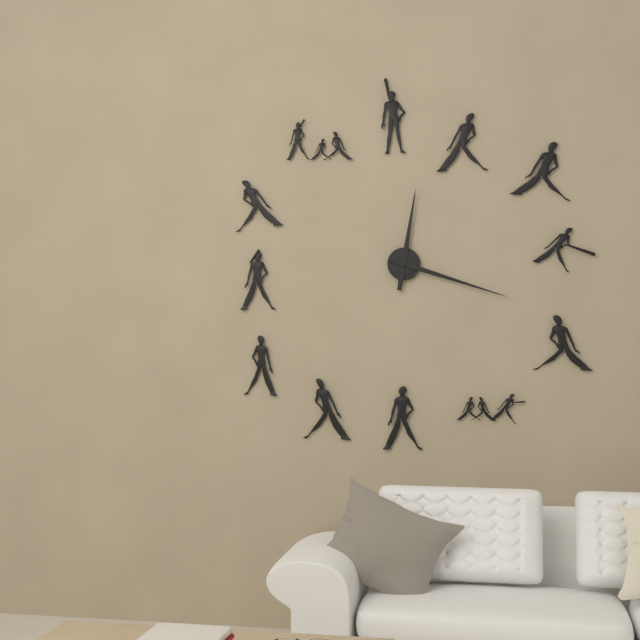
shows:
12,18
